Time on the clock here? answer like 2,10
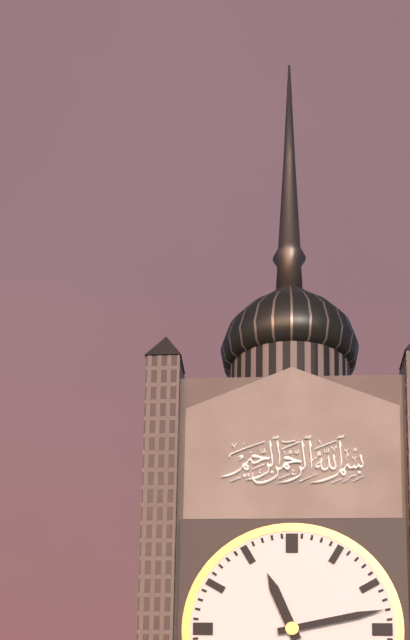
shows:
11,13
